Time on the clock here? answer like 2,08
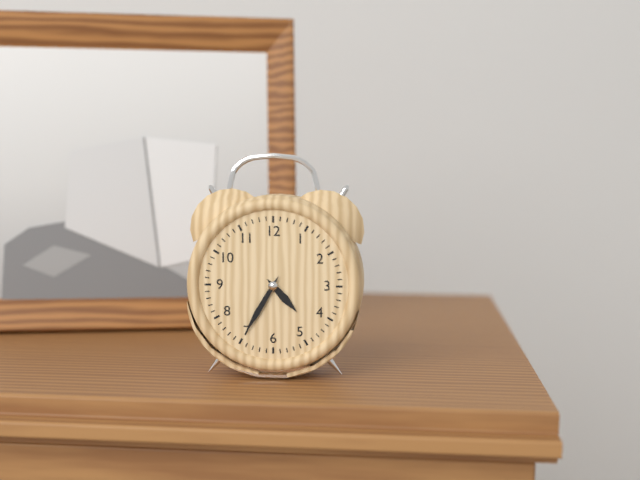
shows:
4,35
